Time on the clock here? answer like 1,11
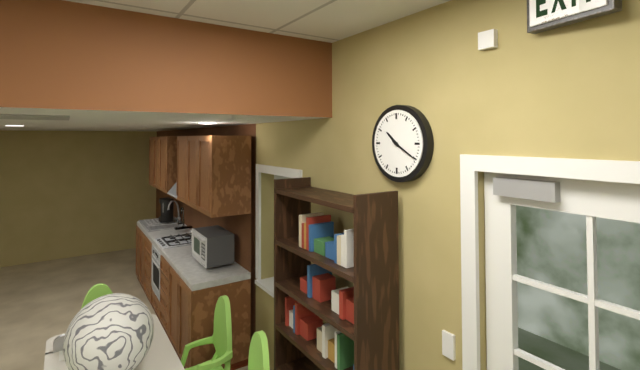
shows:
10,20
